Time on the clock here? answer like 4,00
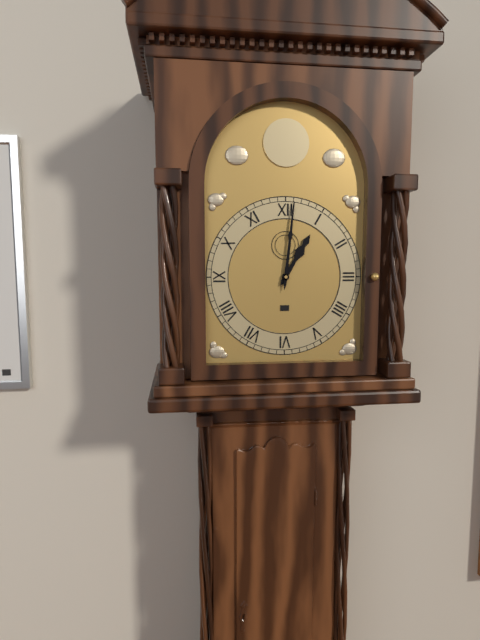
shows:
1,01
